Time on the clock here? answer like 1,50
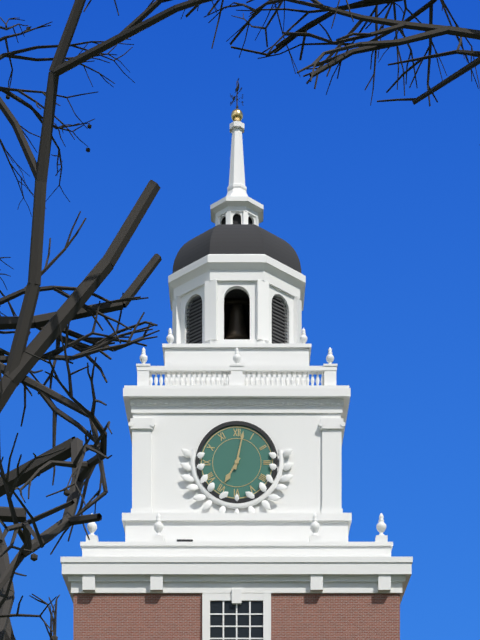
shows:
7,02
